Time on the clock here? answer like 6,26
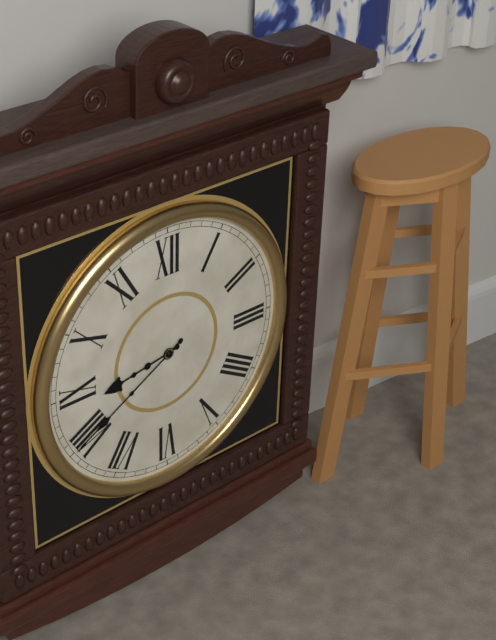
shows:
8,40
